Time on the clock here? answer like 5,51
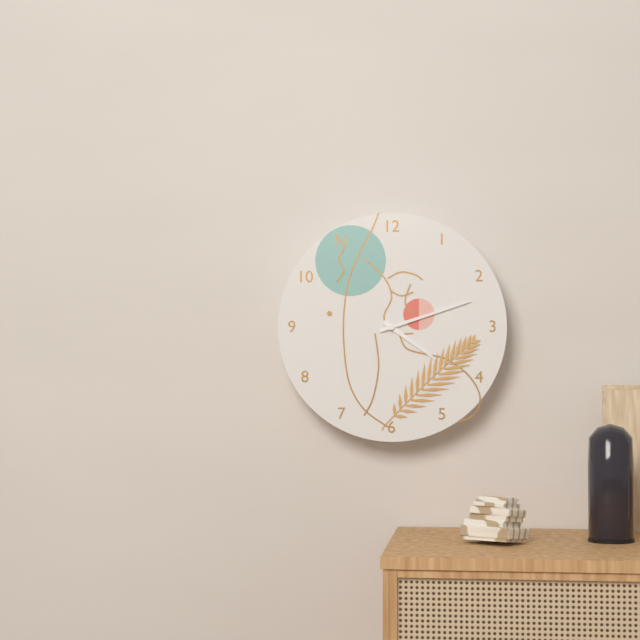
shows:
4,12
